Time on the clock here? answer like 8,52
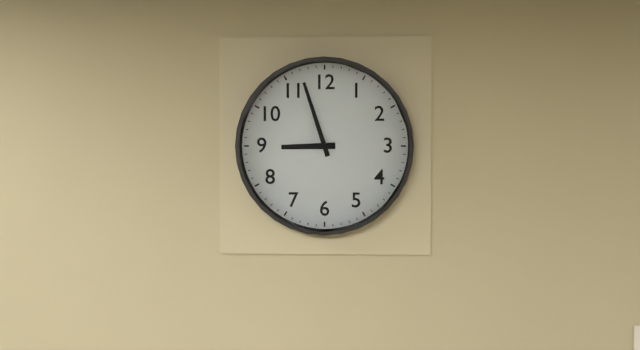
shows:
8,57
